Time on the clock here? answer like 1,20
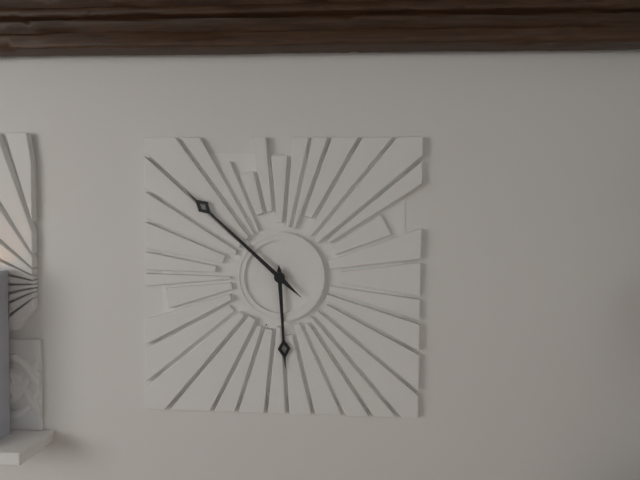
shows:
5,52
